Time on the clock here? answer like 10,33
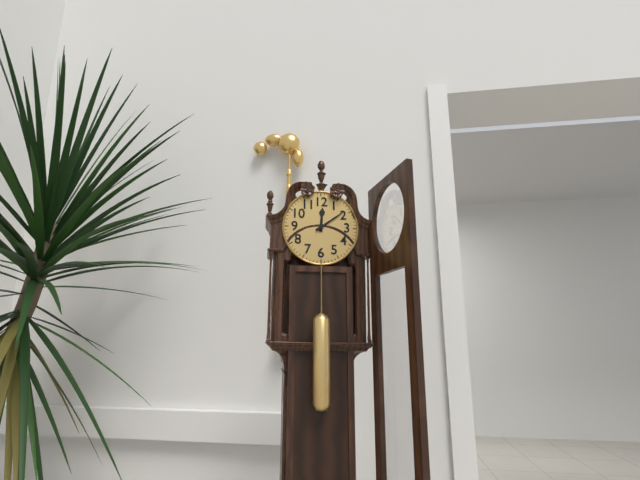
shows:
12,09
